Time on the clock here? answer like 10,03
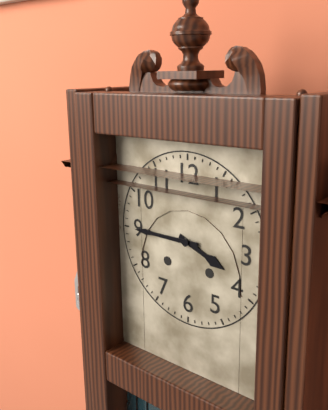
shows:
3,45
